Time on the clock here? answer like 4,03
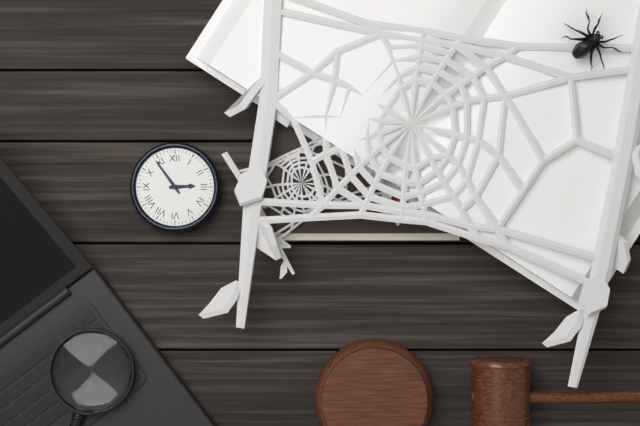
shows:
2,54
